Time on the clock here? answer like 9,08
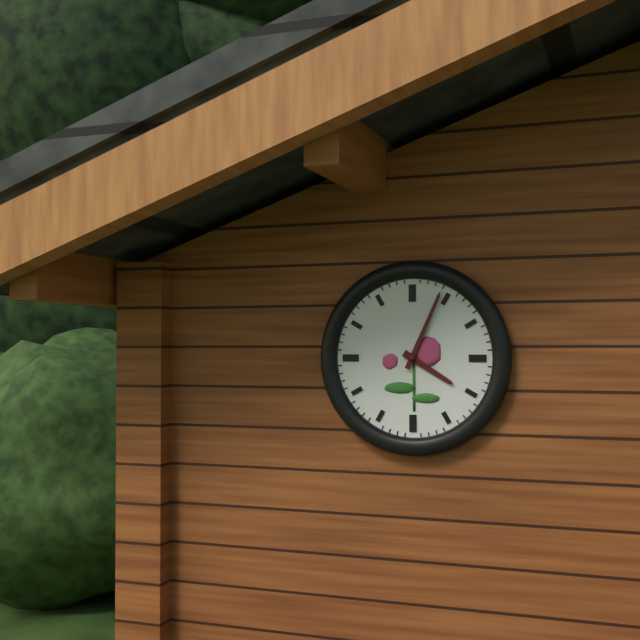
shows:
4,04
